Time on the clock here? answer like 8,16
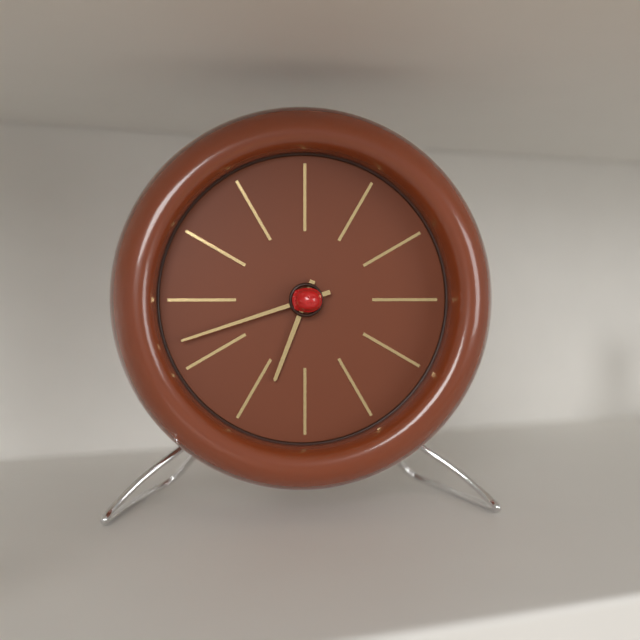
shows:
6,42
